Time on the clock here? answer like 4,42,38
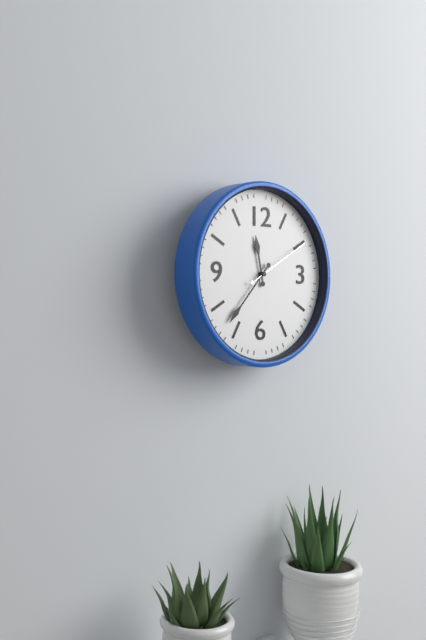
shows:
11,37,10
